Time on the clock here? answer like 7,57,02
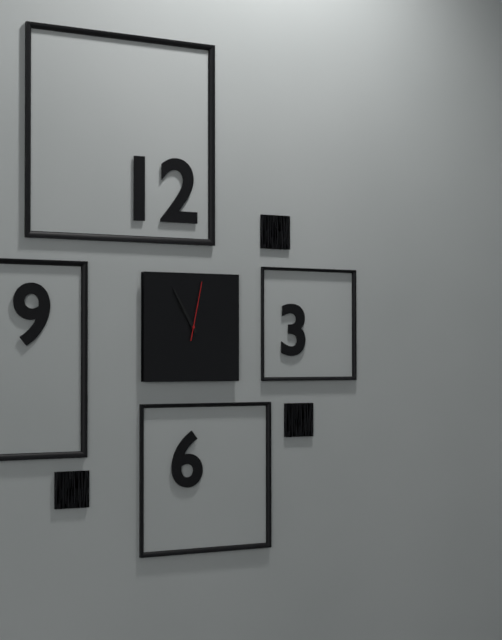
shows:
10,55,02
